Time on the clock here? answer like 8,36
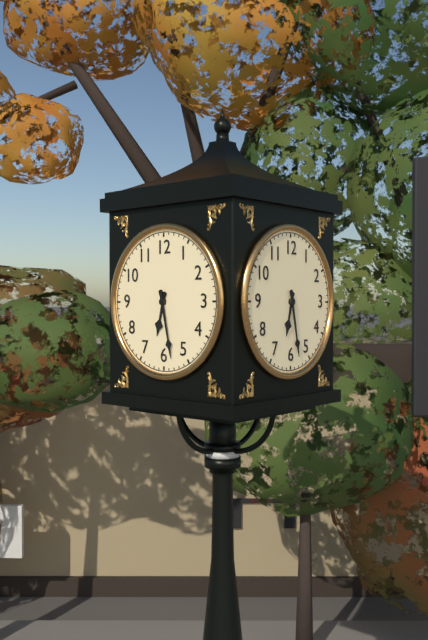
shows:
6,28
